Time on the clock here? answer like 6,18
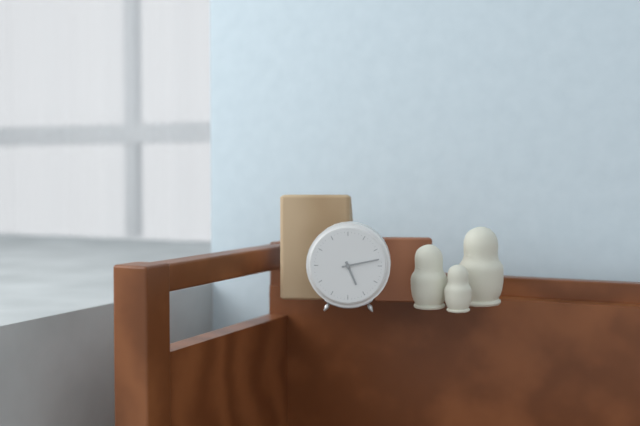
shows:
5,13
